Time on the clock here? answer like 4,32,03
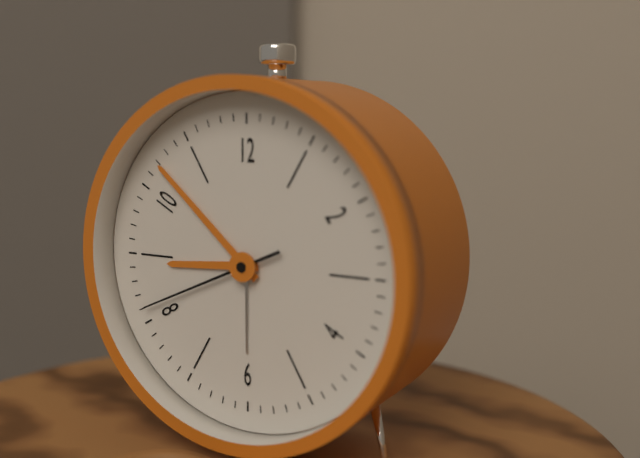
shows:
8,52,41
